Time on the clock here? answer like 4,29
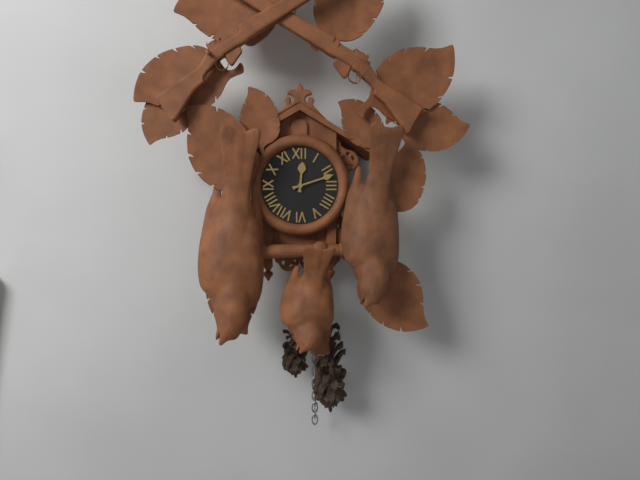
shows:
12,12
